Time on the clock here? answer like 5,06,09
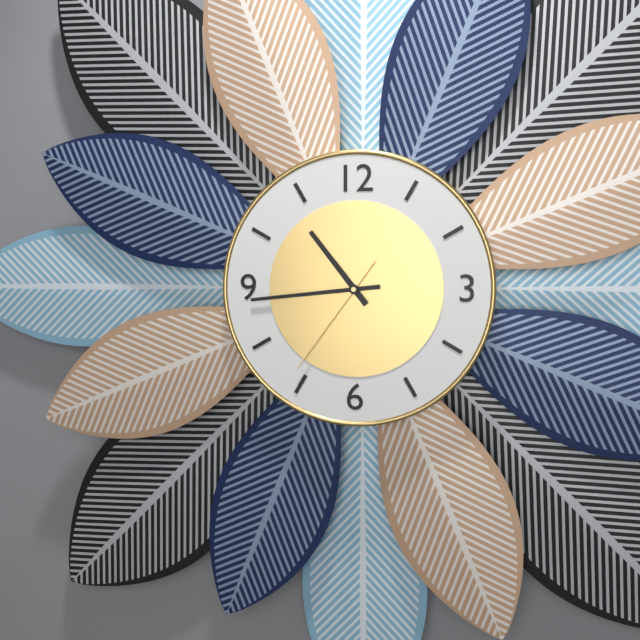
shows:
10,44,36
